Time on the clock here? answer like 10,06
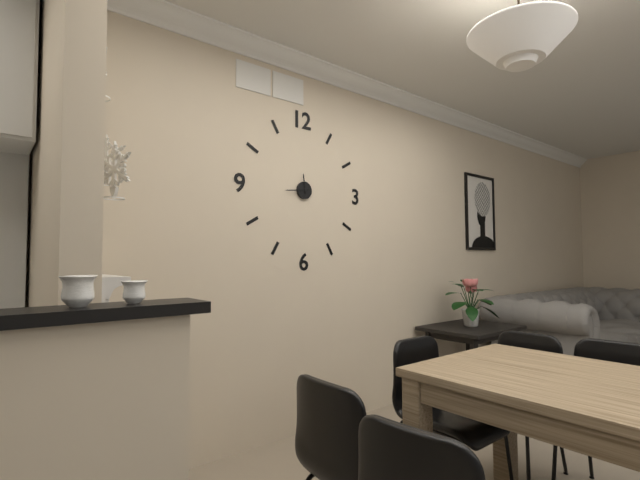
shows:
11,44
